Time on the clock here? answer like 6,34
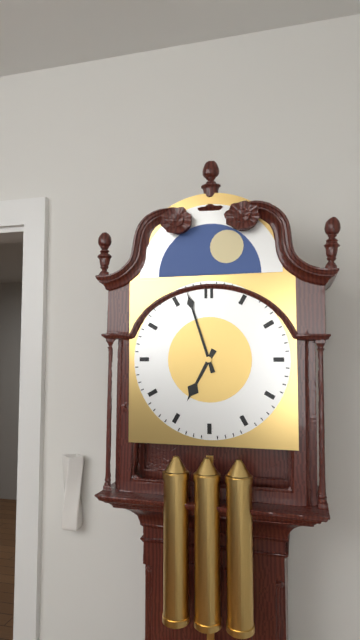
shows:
6,57
